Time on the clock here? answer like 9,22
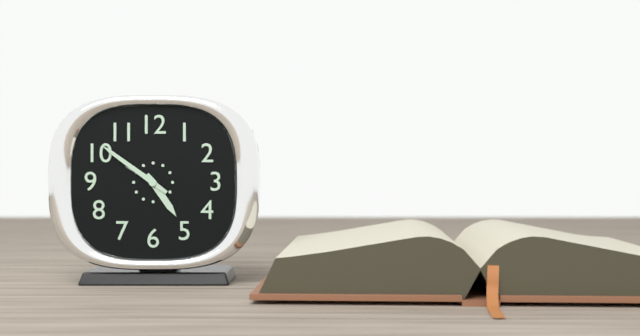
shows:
4,51
